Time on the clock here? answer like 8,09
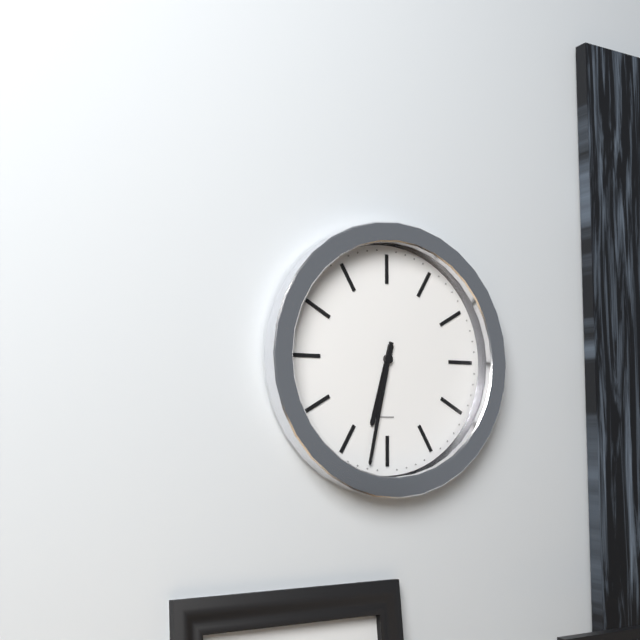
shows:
6,32
